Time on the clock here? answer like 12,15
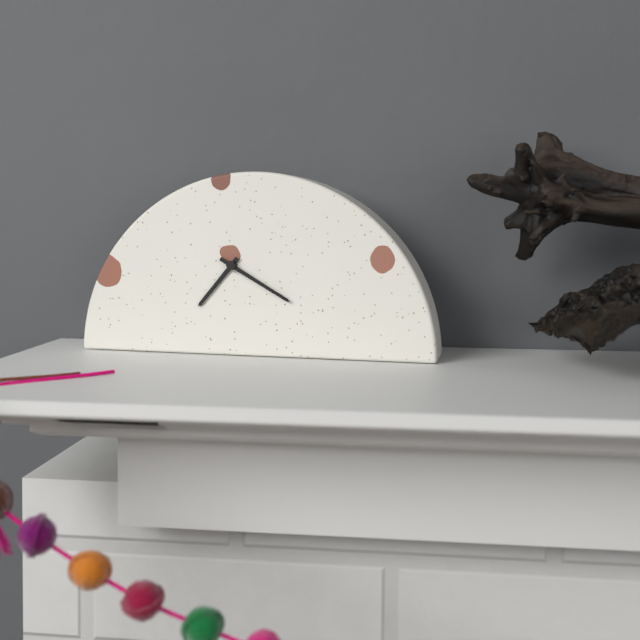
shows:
7,20
